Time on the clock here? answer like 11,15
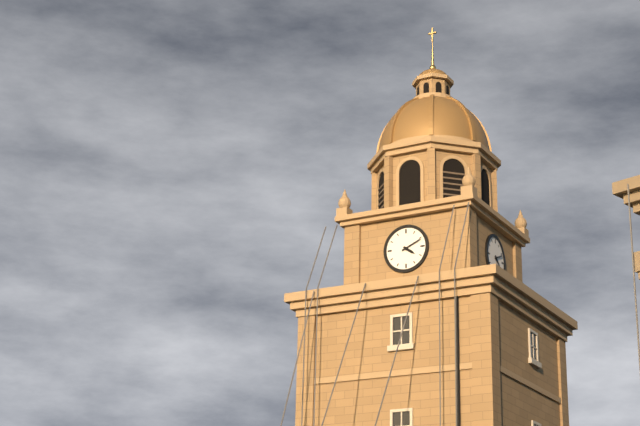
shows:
4,11
